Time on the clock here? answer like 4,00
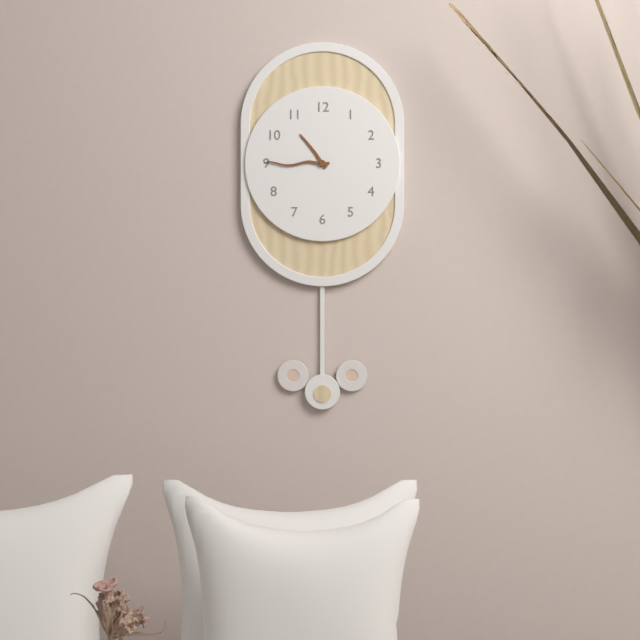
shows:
10,45
